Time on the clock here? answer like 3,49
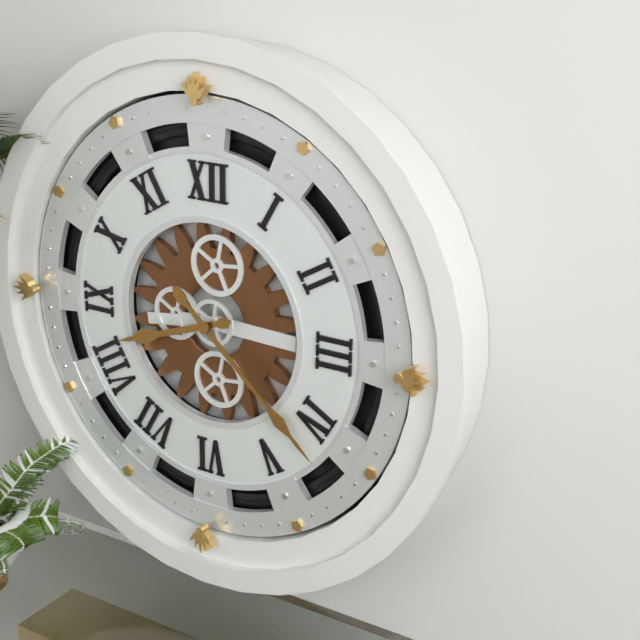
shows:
8,22
